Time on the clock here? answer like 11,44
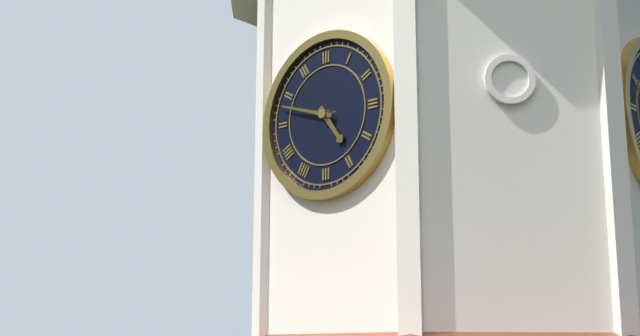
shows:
4,48
